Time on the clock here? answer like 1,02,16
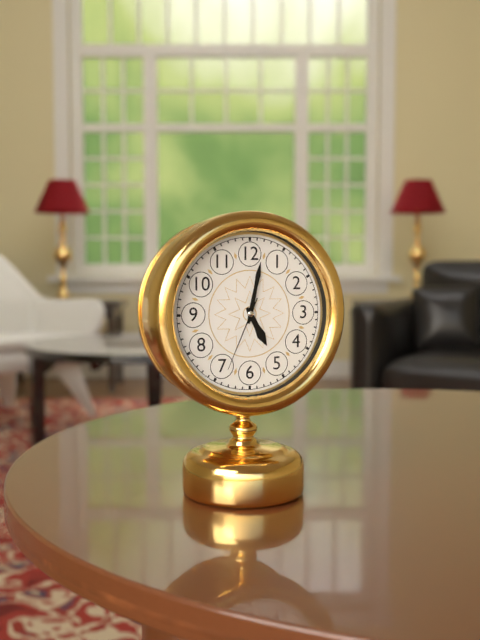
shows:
5,02,34
